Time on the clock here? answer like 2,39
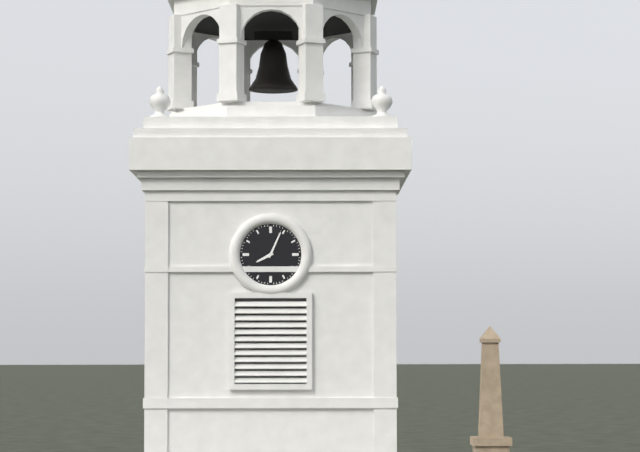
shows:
8,04
